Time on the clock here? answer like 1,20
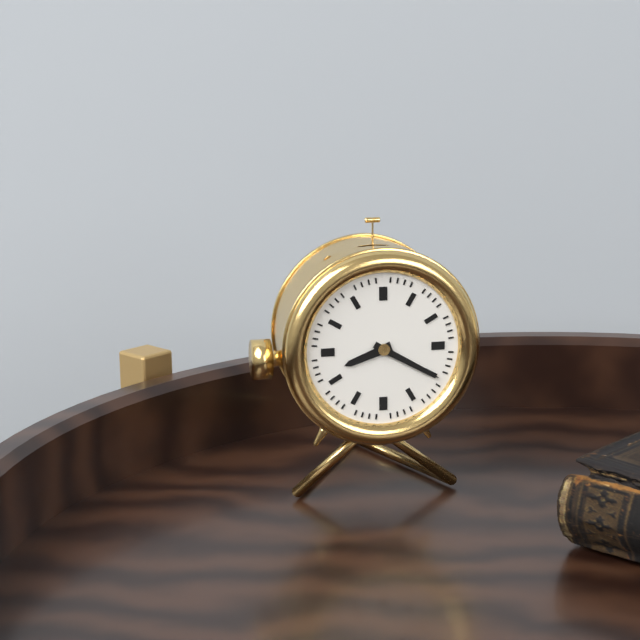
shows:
8,20
